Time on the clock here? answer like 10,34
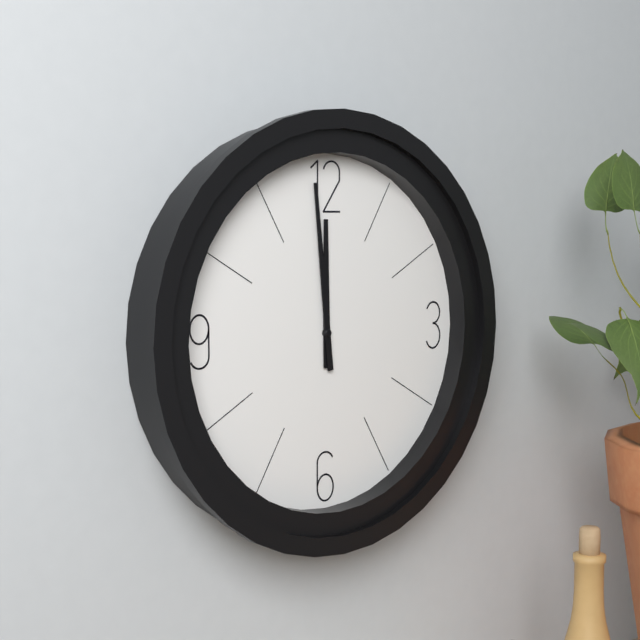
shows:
11,59
